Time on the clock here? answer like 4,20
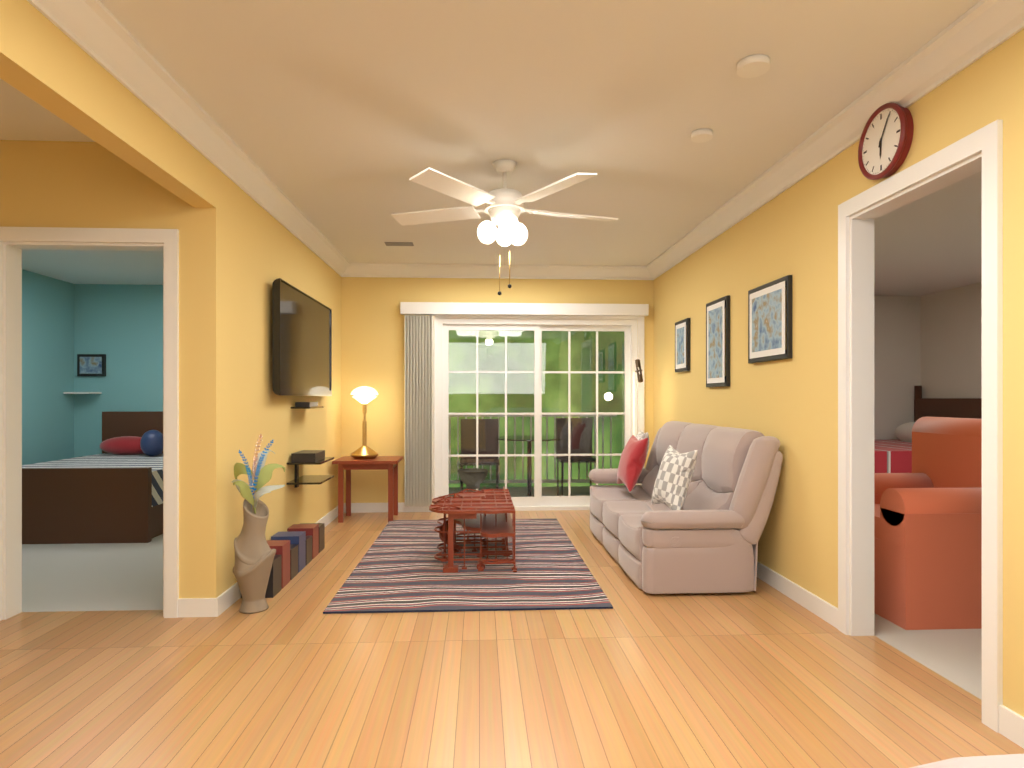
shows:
6,05
